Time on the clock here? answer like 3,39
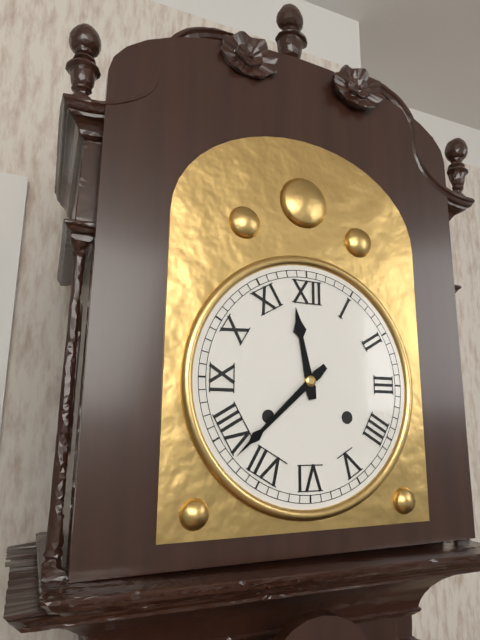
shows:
11,38
